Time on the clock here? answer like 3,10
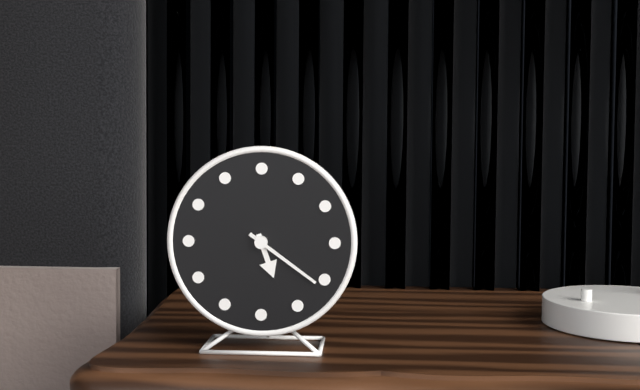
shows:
5,21
